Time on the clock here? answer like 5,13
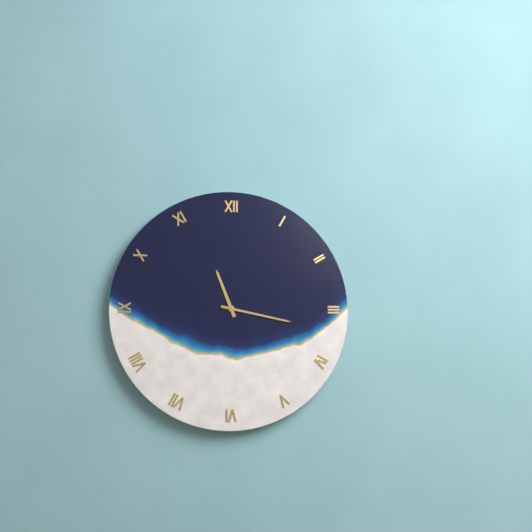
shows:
11,17
